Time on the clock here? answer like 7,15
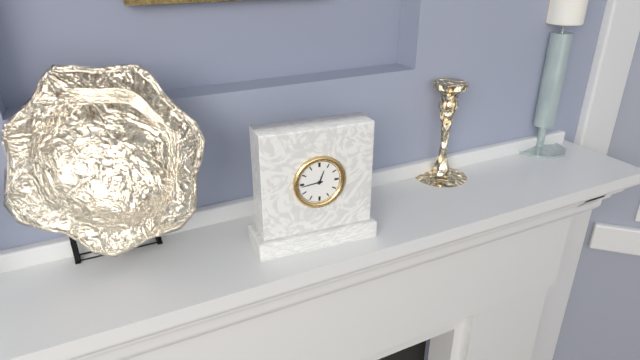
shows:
12,44
